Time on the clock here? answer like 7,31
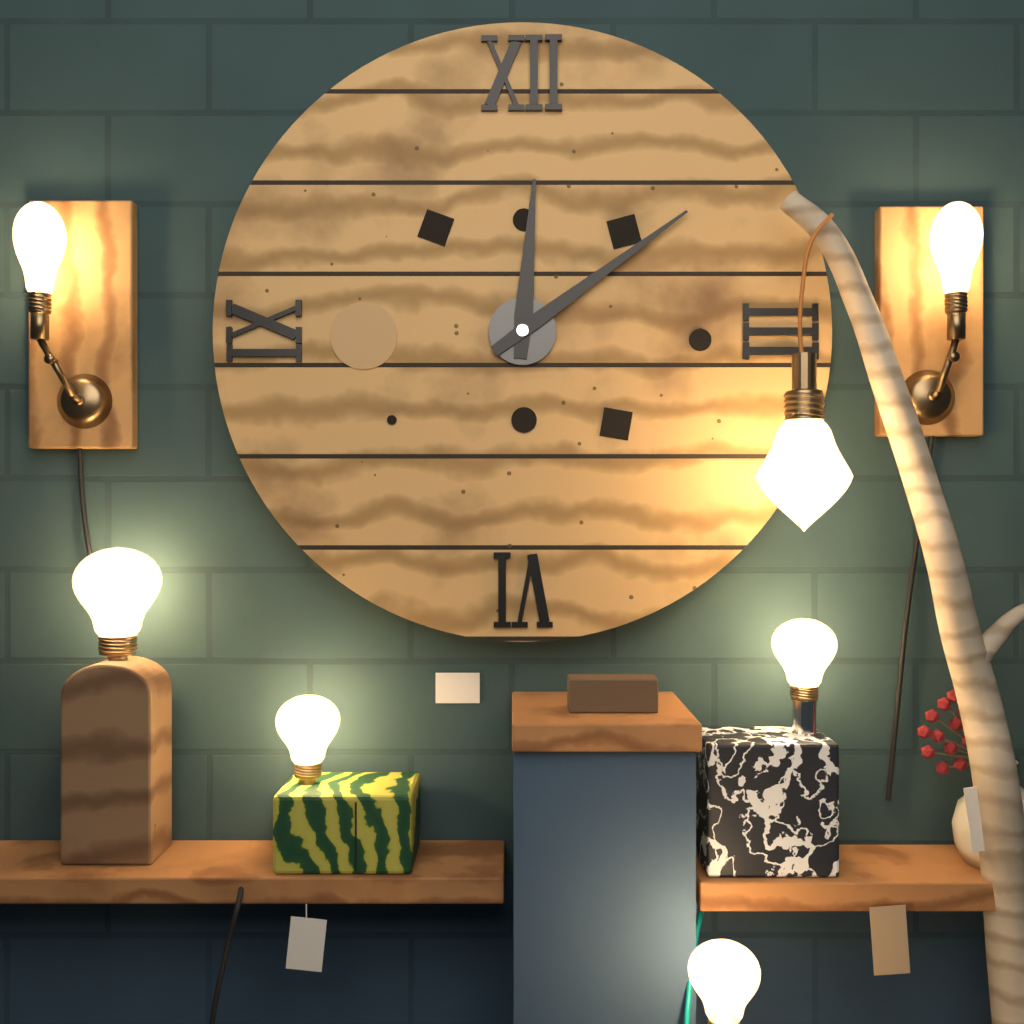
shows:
12,09
